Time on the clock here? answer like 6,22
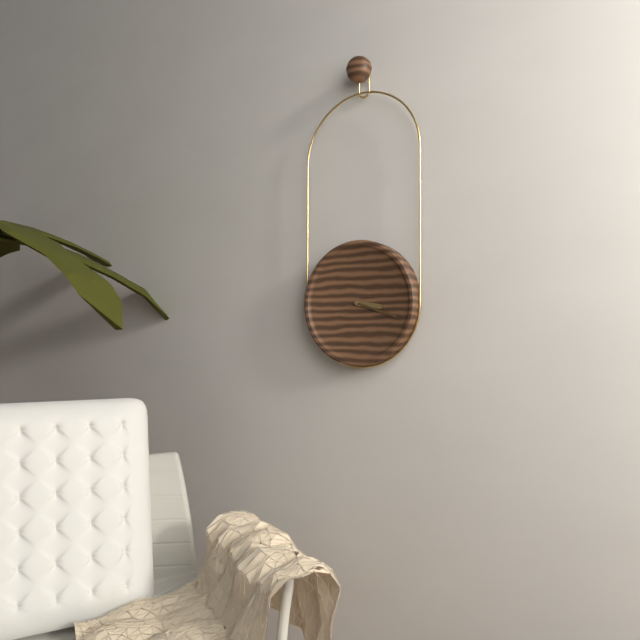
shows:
3,18
